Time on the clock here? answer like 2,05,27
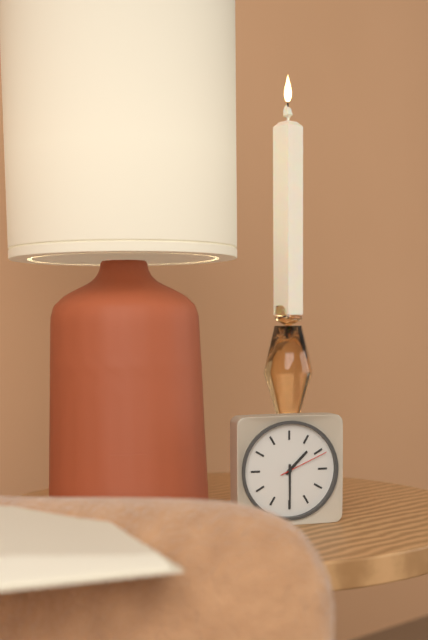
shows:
1,30,11
